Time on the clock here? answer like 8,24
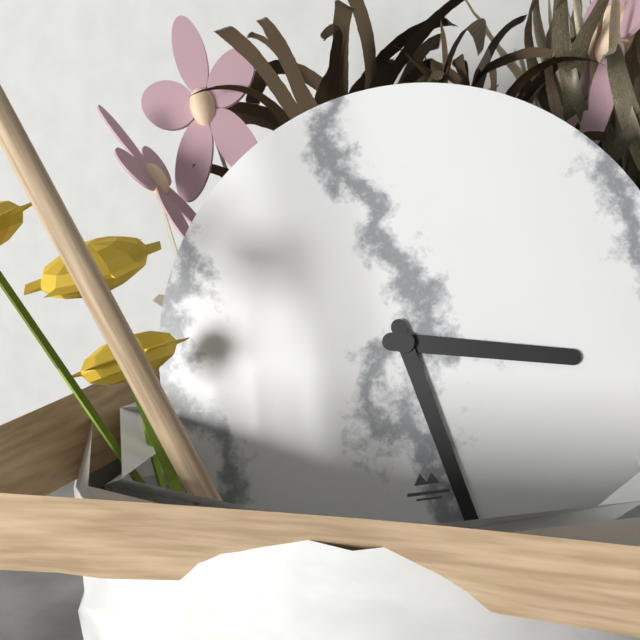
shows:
3,28
